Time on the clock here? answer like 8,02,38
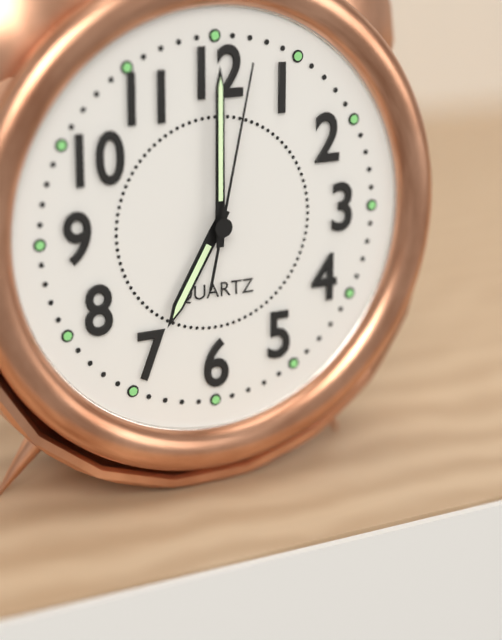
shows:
7,00,02
